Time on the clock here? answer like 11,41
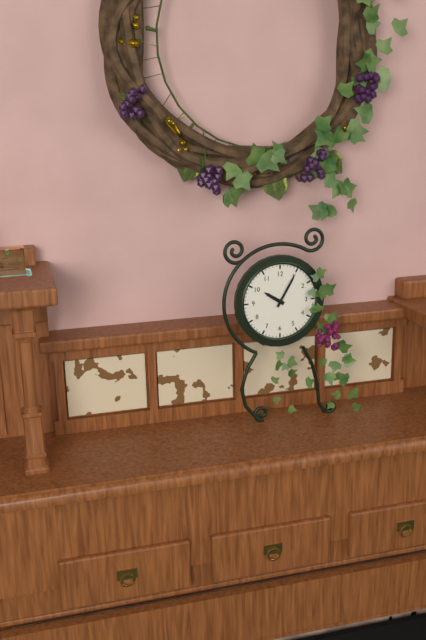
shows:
10,05
